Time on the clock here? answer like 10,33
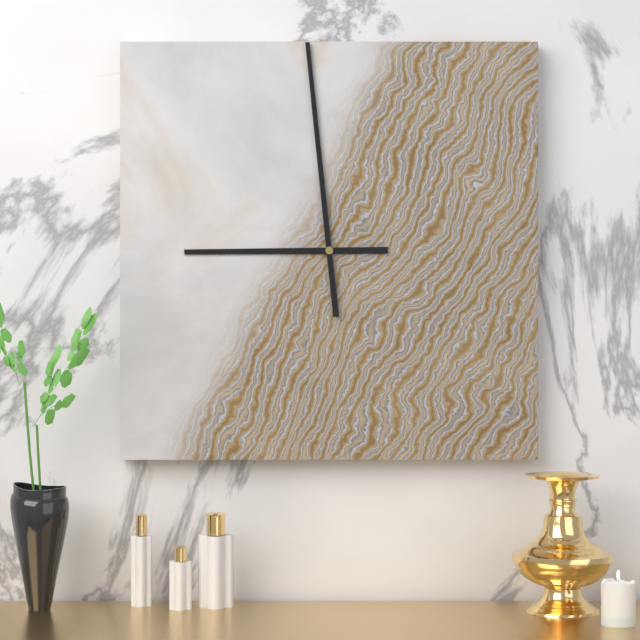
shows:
8,59
